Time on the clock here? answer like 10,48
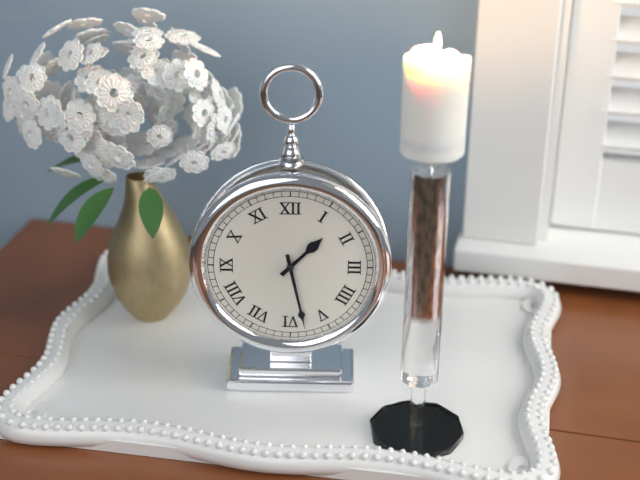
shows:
1,28
